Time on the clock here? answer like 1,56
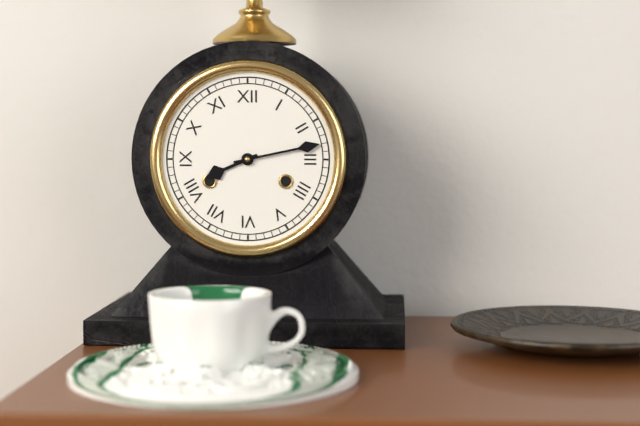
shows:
8,13
